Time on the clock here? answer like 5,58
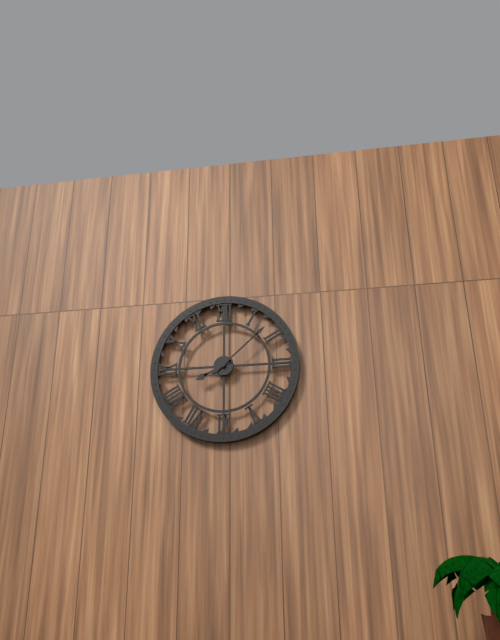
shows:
8,08
